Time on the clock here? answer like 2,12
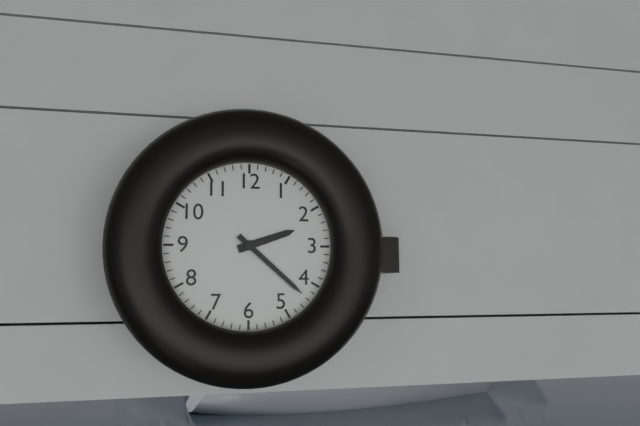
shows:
2,22
